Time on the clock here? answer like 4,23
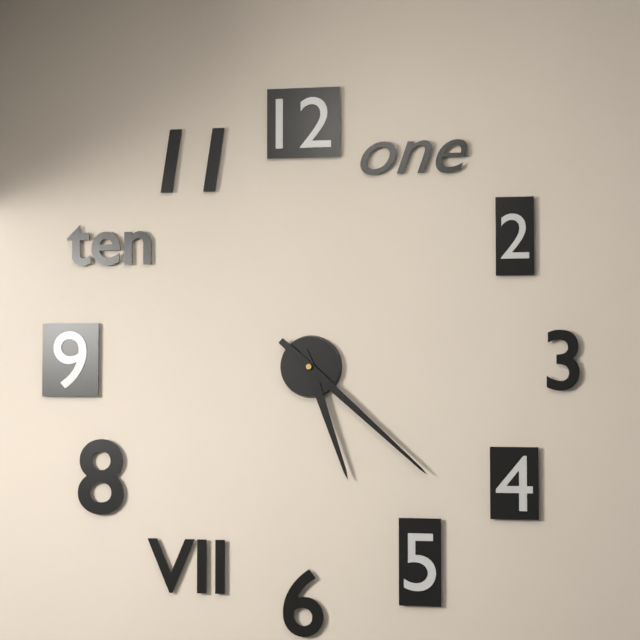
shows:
5,22
